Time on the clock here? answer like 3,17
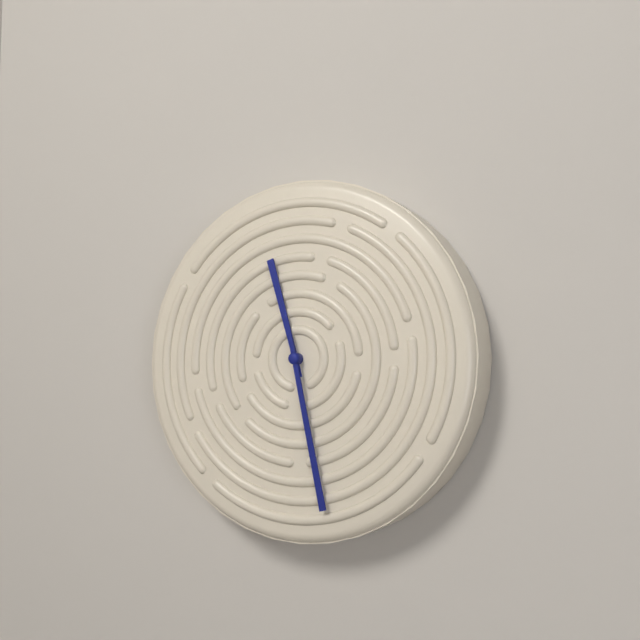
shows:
11,28
